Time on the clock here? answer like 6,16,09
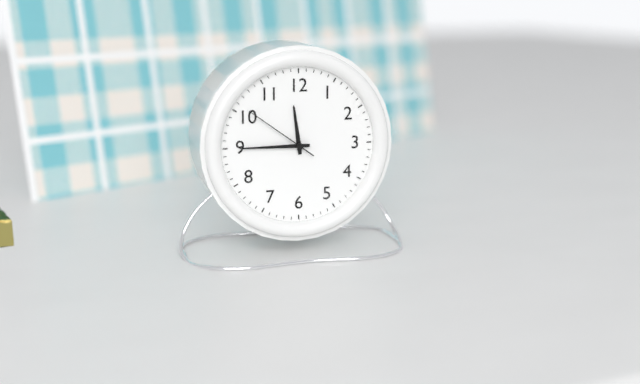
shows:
11,45,51
